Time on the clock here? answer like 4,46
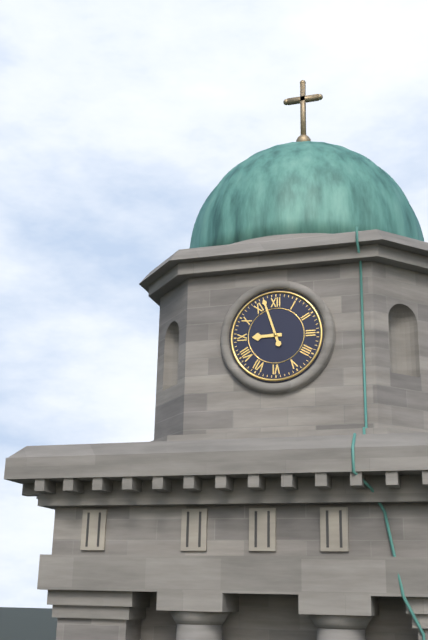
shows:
8,57
